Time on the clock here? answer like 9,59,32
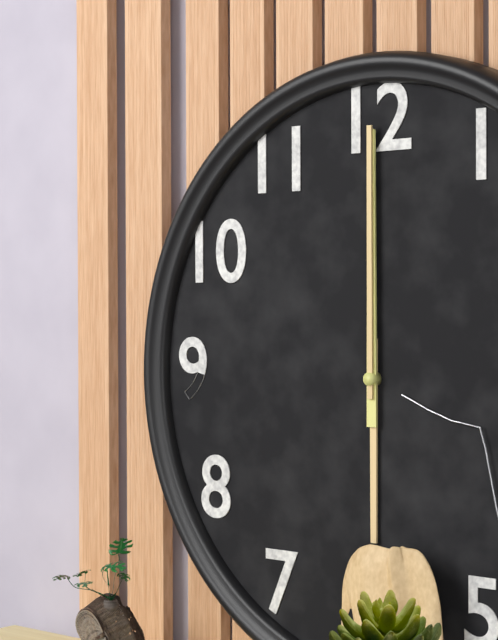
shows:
6,00,00
